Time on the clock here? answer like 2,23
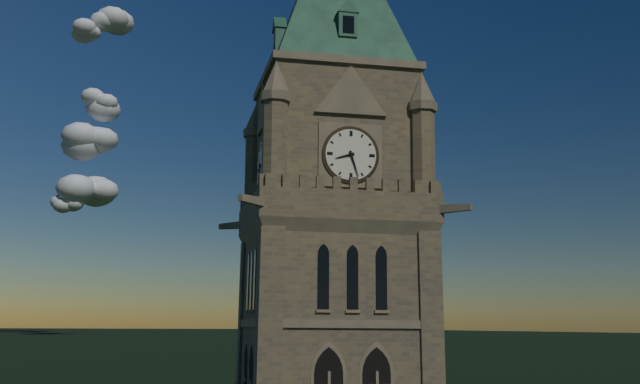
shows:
8,27
